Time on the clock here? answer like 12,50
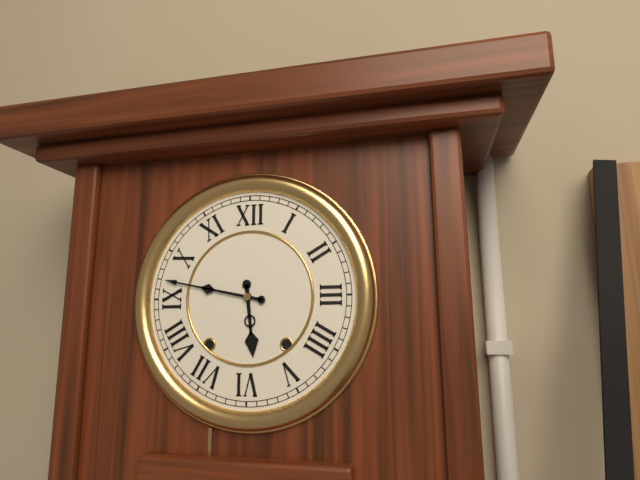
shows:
5,47
